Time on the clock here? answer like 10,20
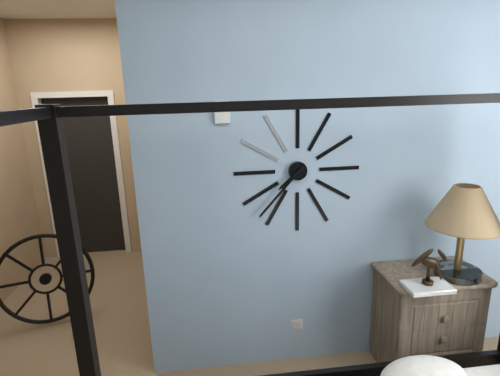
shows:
7,37
